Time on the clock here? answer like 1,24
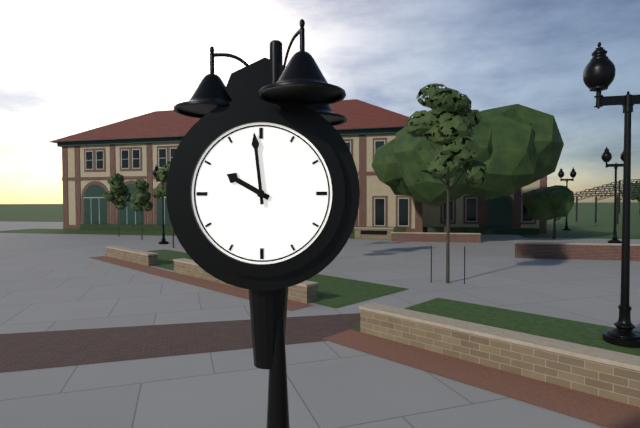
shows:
9,59
